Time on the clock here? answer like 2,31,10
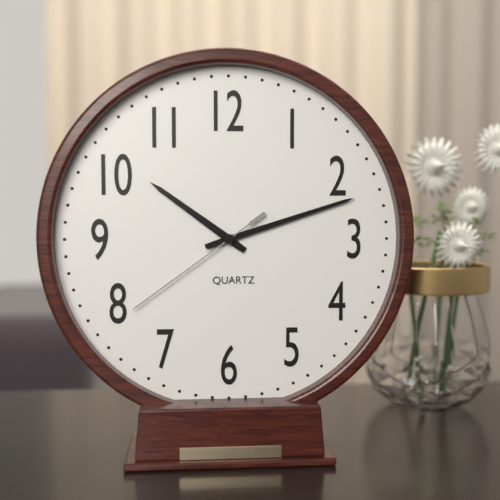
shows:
10,12,39
